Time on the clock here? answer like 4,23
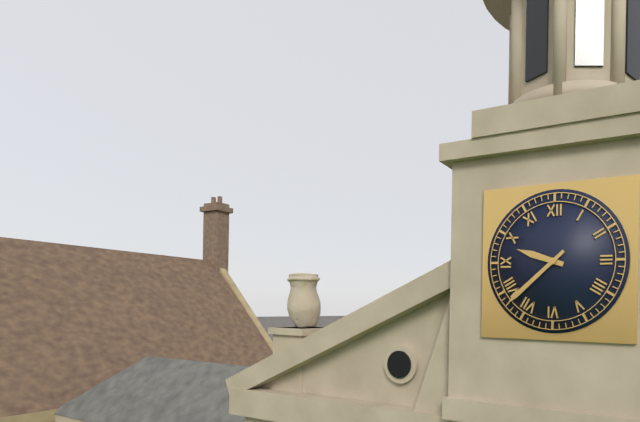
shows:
9,38
